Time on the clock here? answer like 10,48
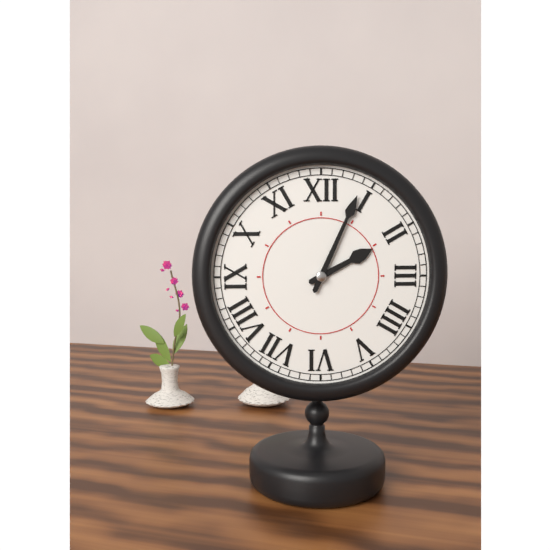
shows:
2,04
